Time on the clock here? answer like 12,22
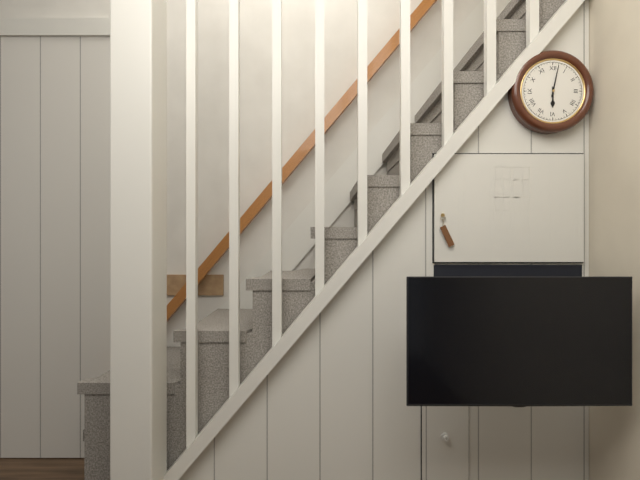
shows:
6,02
